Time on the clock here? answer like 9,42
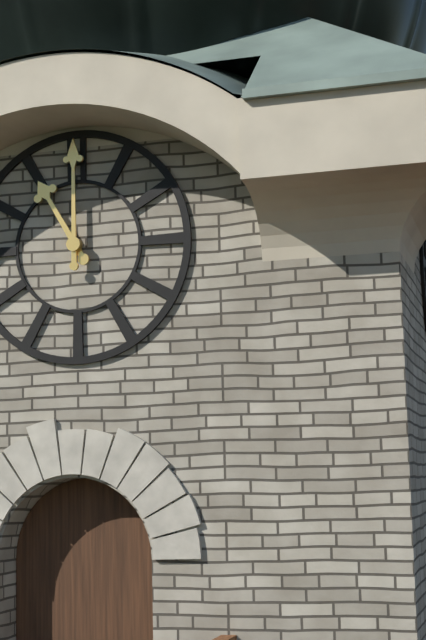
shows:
11,00
